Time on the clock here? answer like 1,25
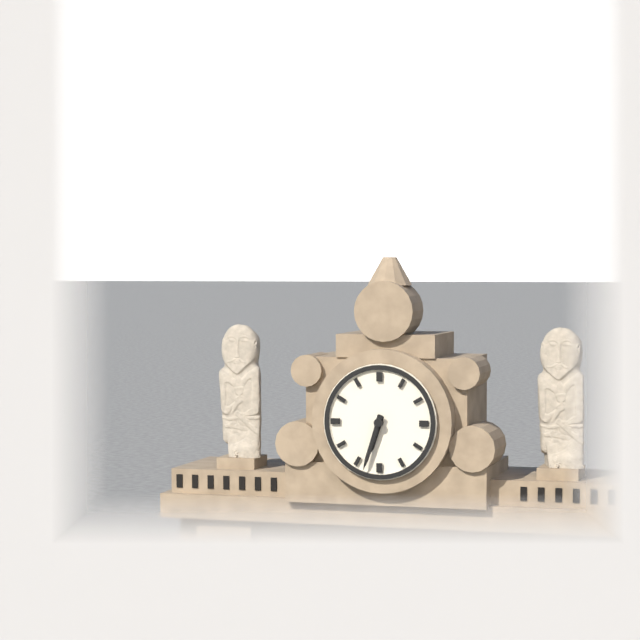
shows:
6,33
